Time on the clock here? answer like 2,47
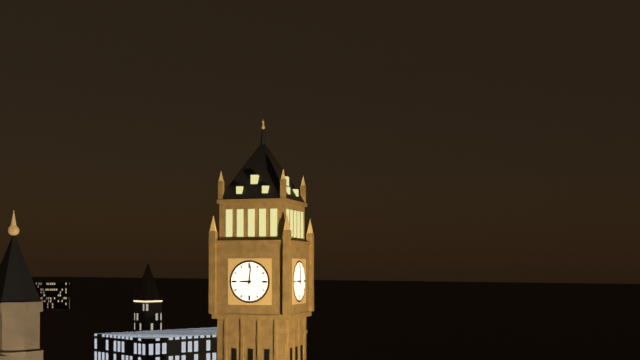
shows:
9,01
